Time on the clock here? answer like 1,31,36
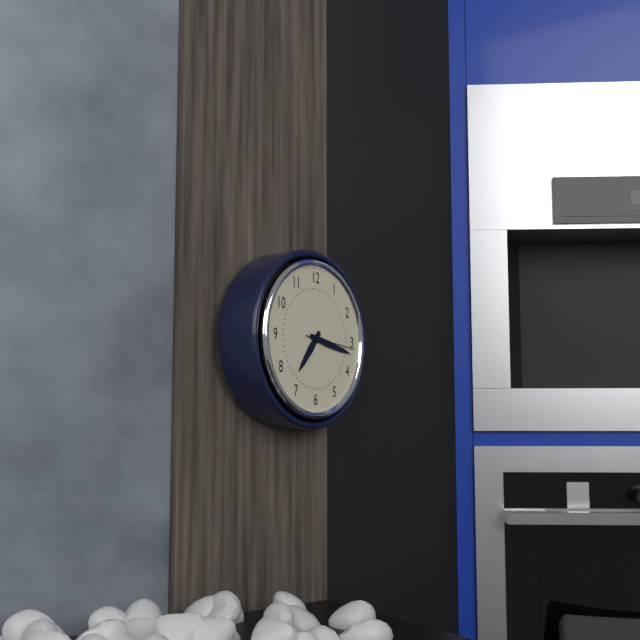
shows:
7,17,16
